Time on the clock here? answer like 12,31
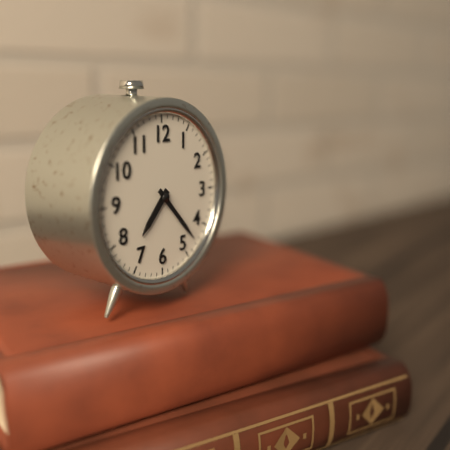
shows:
7,23
